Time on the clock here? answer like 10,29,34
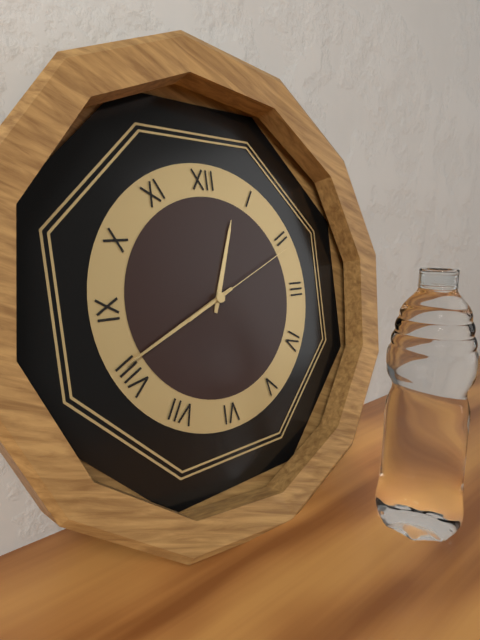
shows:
12,41,11
